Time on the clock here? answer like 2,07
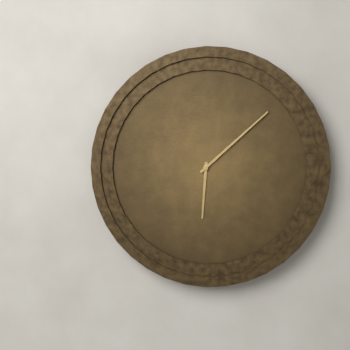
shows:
6,08
